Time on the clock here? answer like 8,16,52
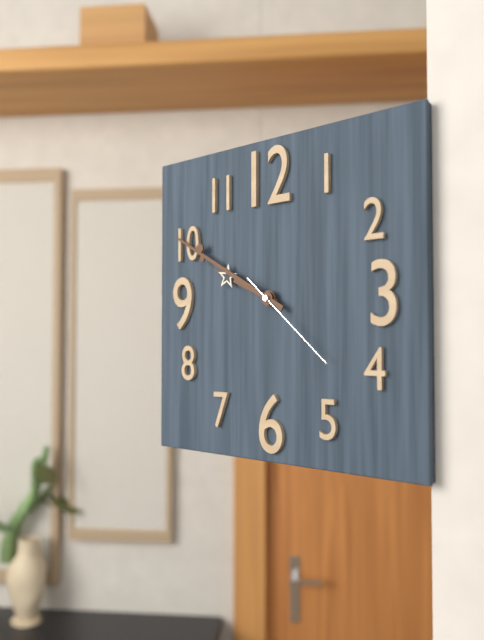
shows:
9,50,22
